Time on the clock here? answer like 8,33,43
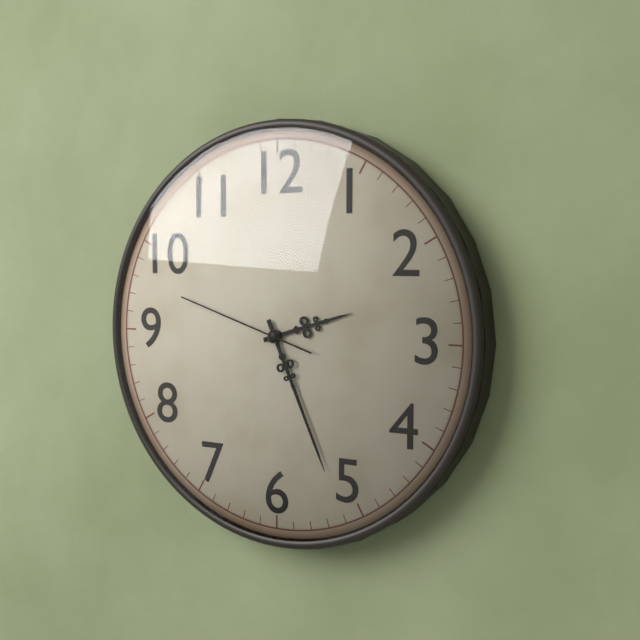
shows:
2,26,48
